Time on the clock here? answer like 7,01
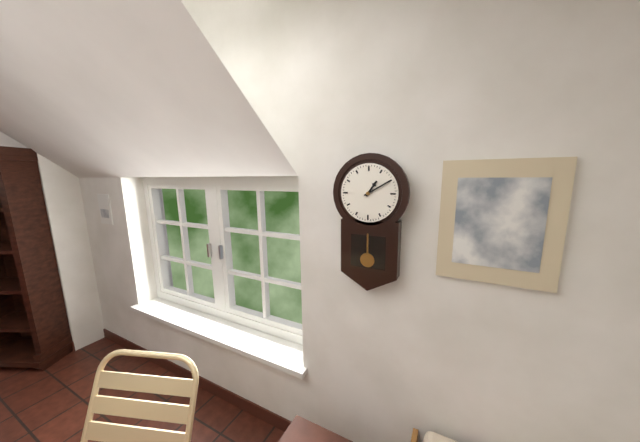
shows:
1,10
